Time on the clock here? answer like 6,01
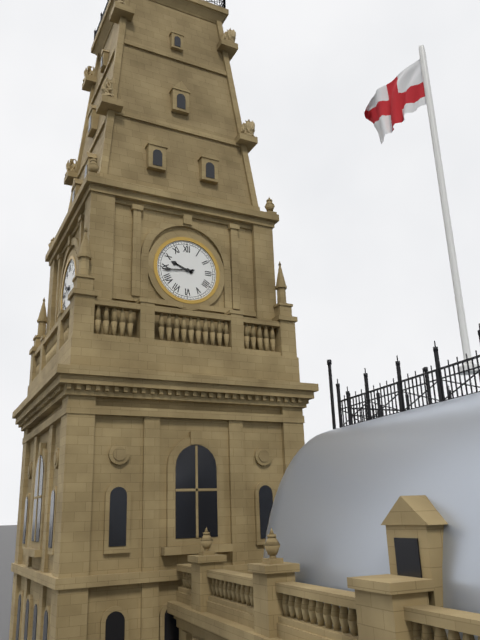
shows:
9,44
